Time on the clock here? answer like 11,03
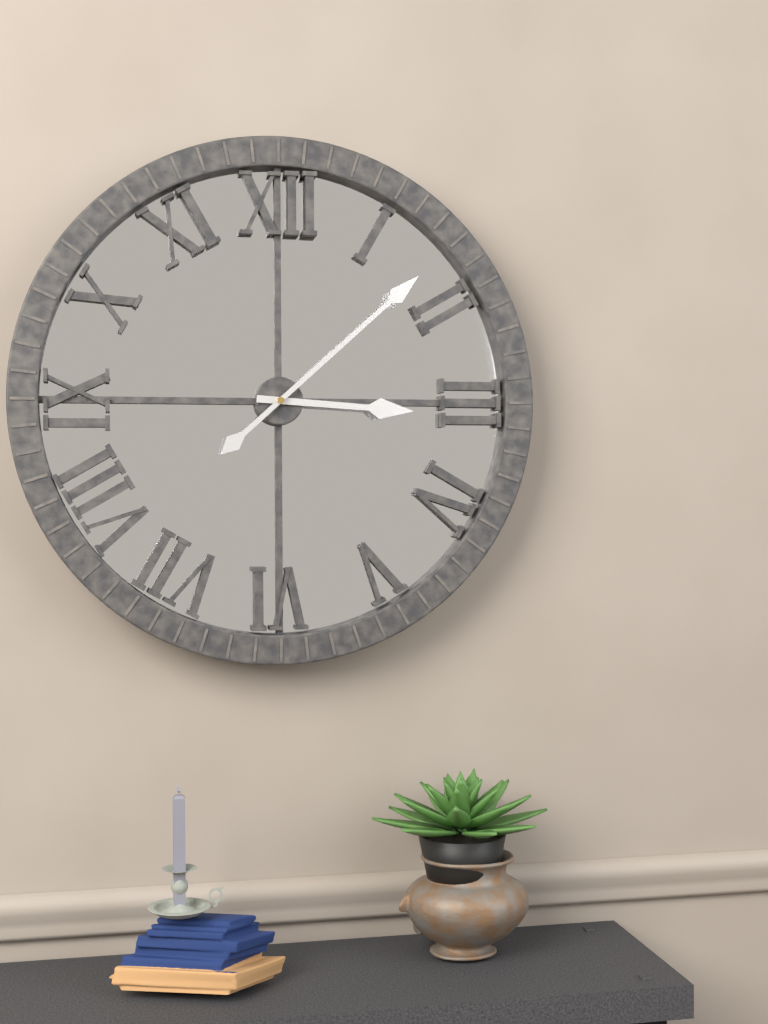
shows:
3,08
